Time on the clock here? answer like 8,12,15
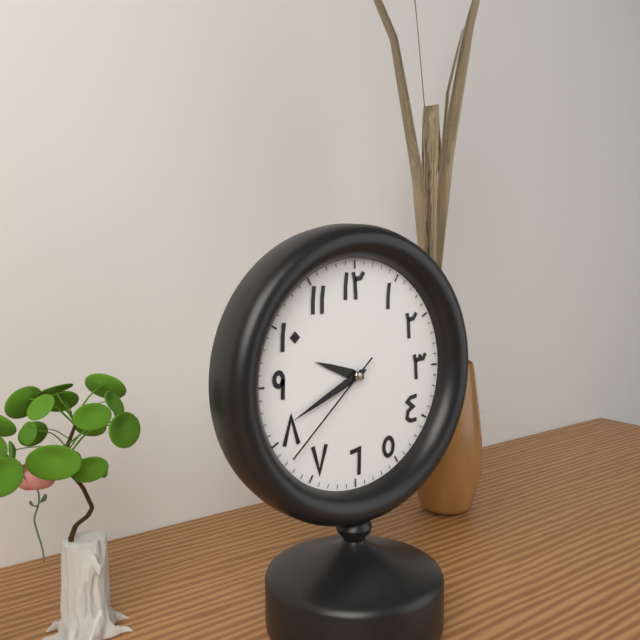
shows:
9,41,38
